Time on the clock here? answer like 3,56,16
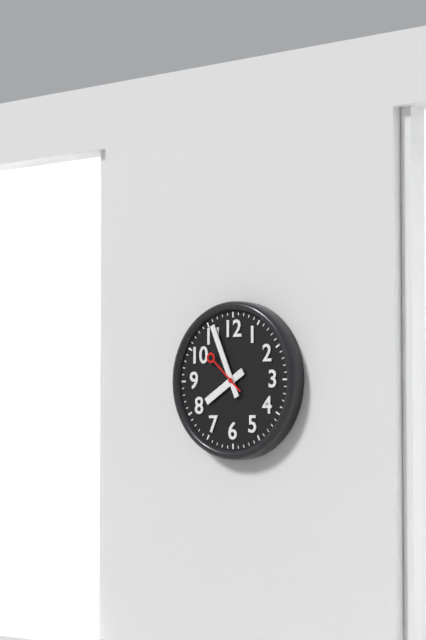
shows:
7,56,52
